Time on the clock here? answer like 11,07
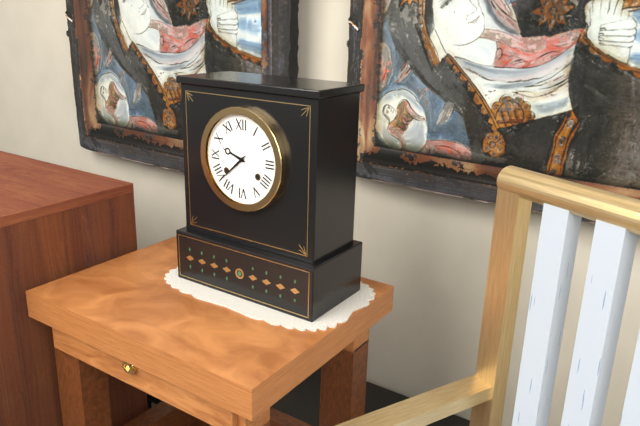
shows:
9,38
